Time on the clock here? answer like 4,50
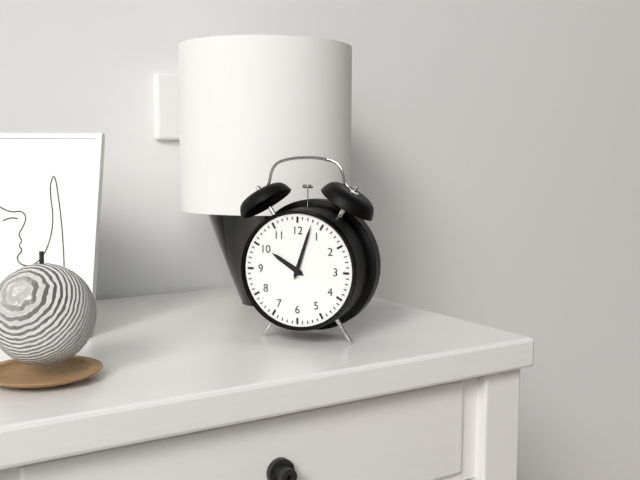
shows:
10,03
